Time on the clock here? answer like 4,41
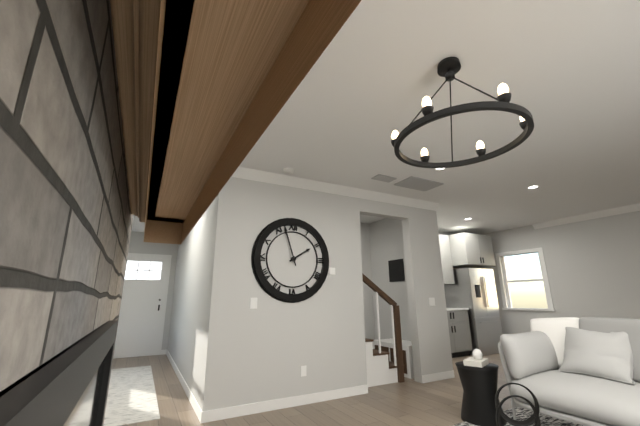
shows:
1,57
